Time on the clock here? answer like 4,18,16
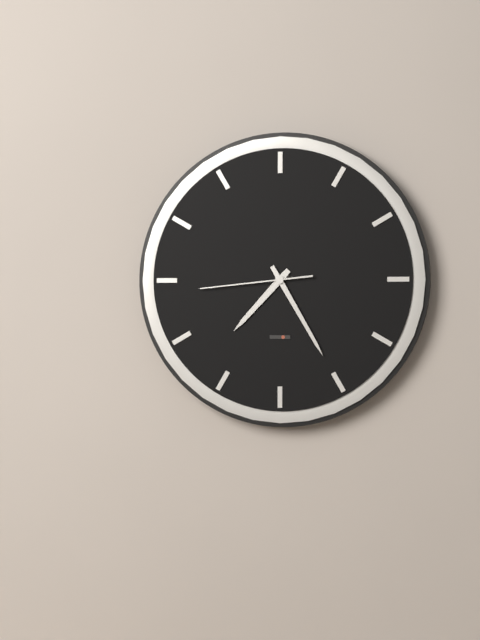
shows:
7,25,44
